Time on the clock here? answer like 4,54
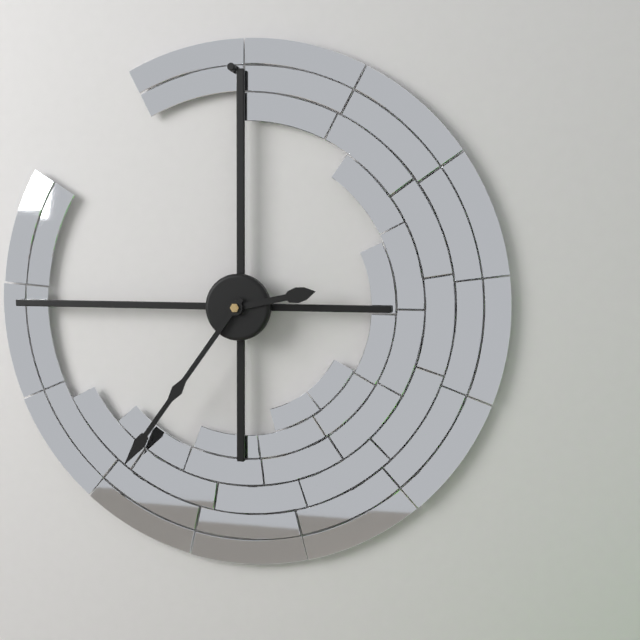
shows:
2,36
